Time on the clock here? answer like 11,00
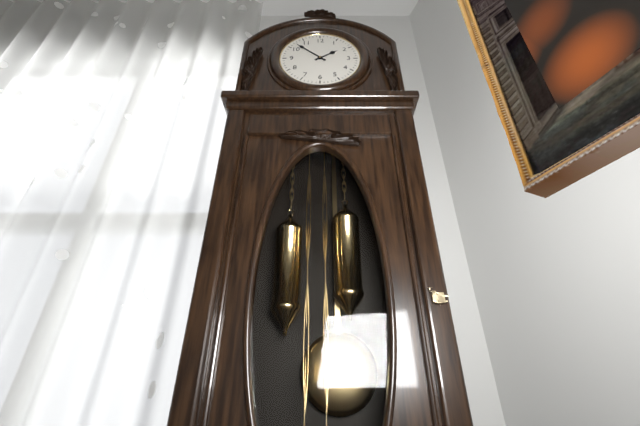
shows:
1,52
